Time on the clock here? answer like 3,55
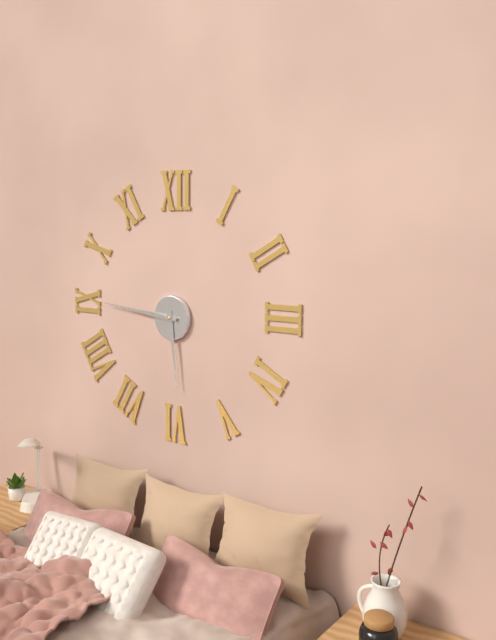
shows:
5,46
